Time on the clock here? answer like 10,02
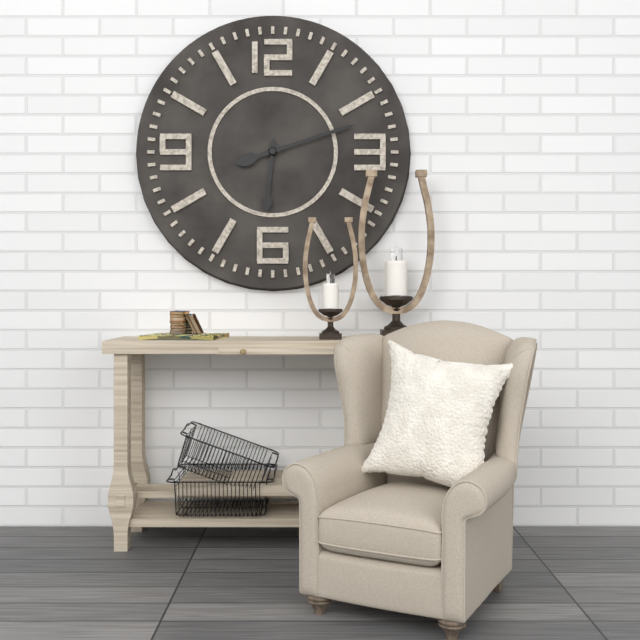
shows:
6,12
